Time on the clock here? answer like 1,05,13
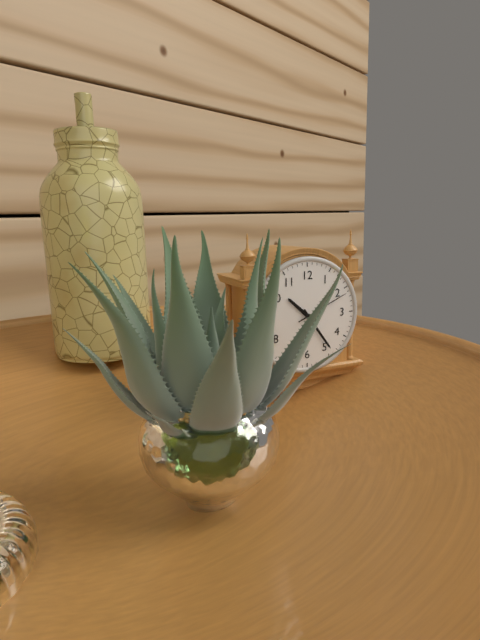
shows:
10,24,11
